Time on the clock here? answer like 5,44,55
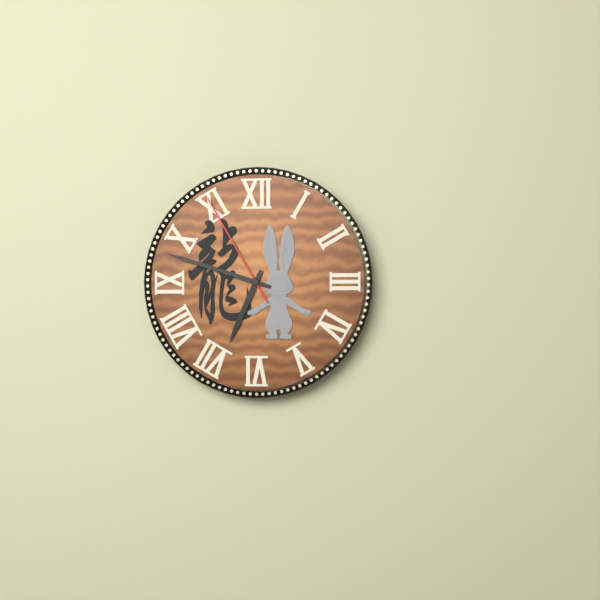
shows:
6,48,55
